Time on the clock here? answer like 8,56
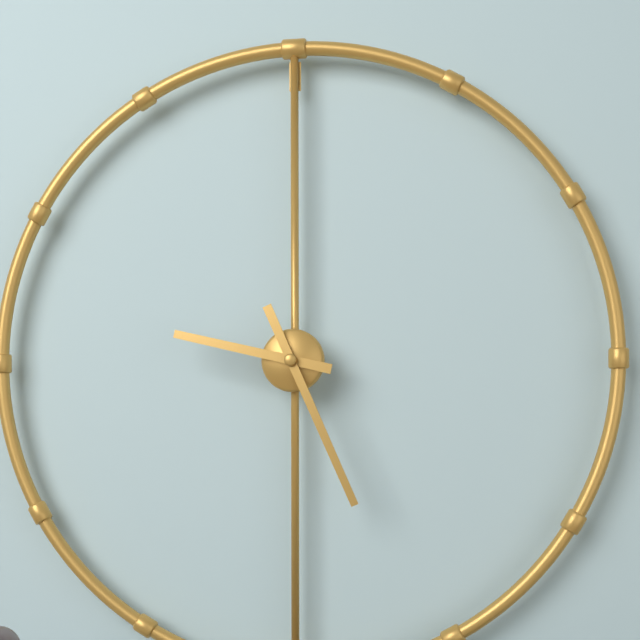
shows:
9,26
